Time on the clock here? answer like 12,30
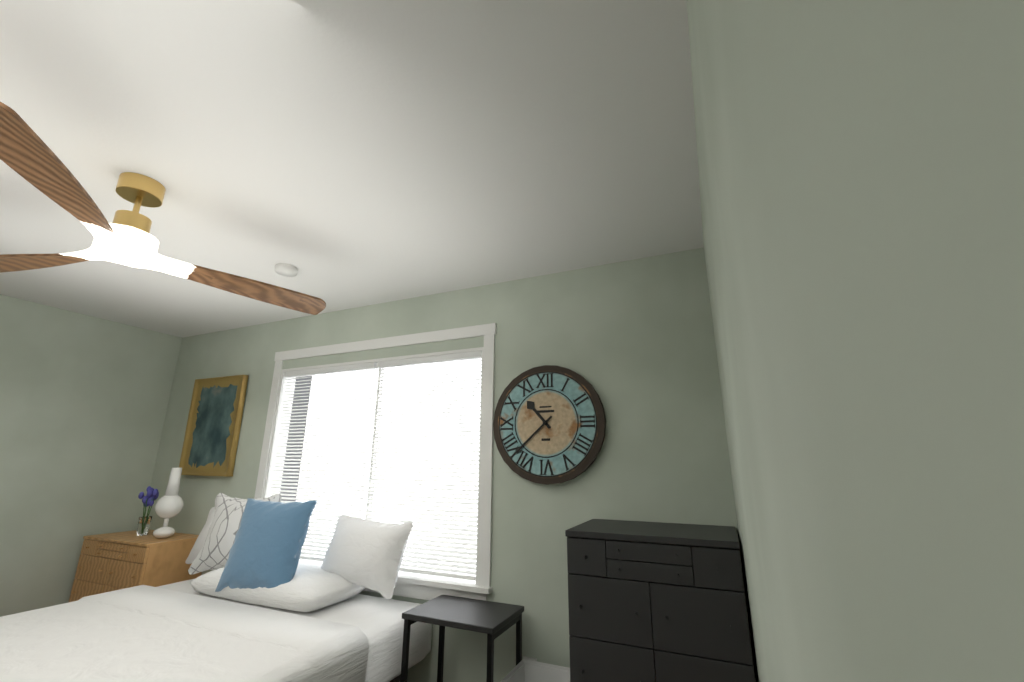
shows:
10,38
